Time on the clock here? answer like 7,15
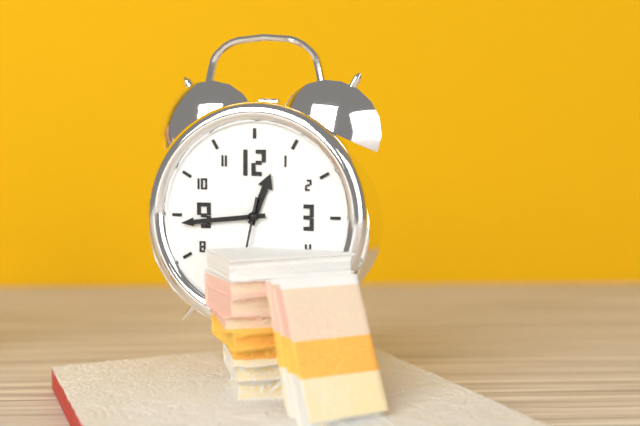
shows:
12,44
